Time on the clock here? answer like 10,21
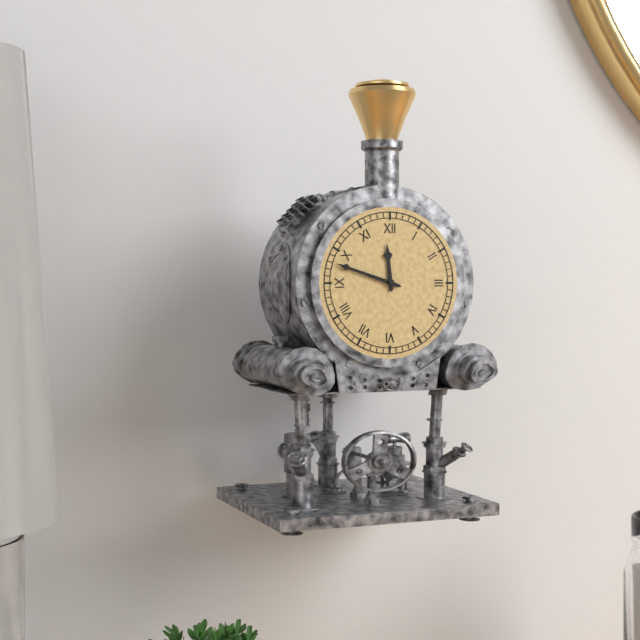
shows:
11,48
